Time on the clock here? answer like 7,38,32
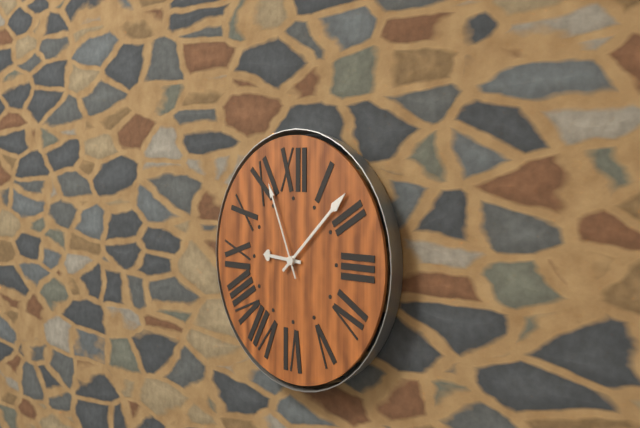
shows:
9,08,56
